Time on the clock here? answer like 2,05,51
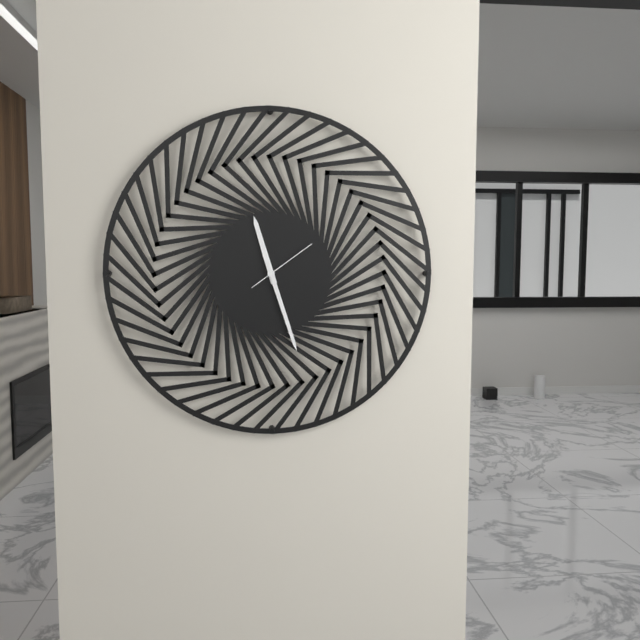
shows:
11,27,09
